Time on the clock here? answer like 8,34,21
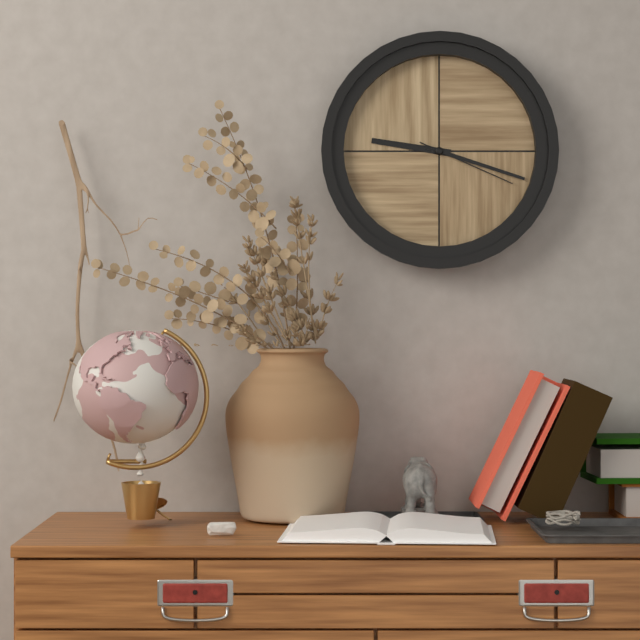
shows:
9,18,19
